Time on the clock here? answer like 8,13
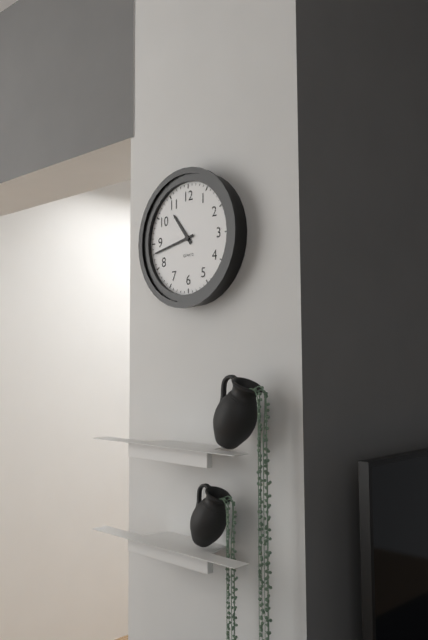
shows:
10,43
